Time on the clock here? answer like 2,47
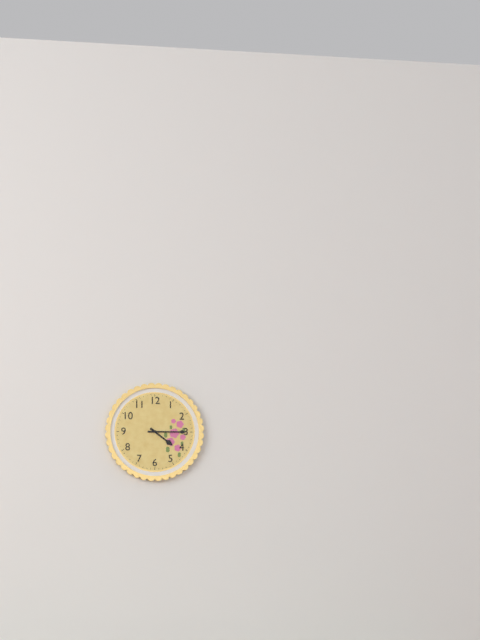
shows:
4,15
